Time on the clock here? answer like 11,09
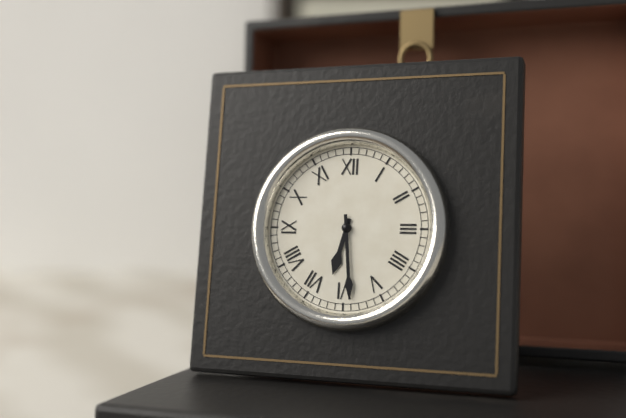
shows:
6,29
